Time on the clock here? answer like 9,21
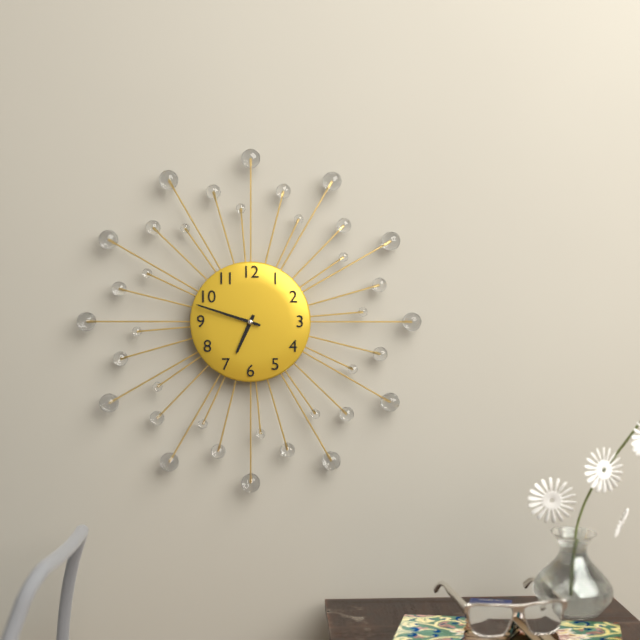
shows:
6,48
